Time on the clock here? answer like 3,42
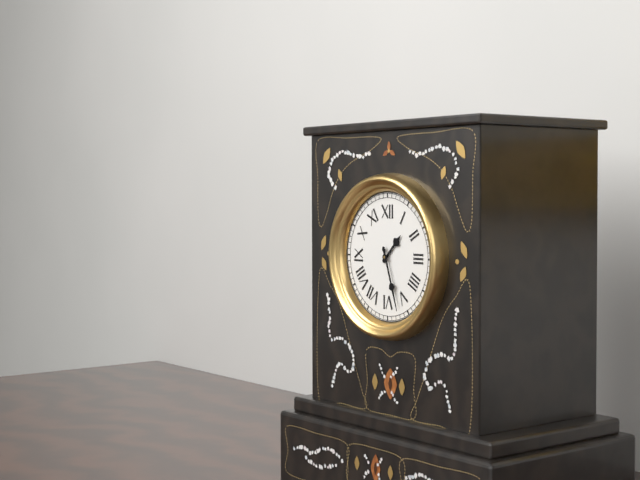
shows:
1,27
